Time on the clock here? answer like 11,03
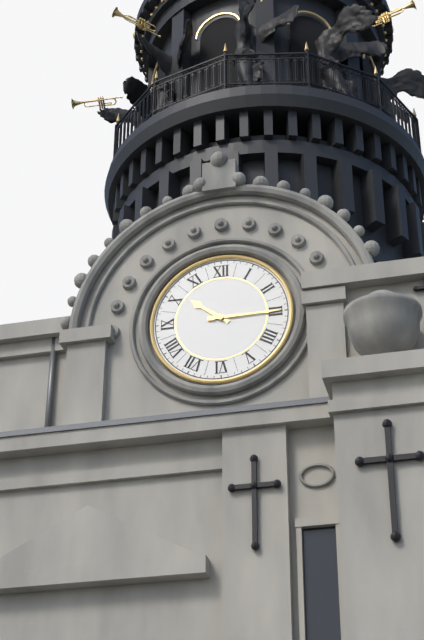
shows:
10,15
